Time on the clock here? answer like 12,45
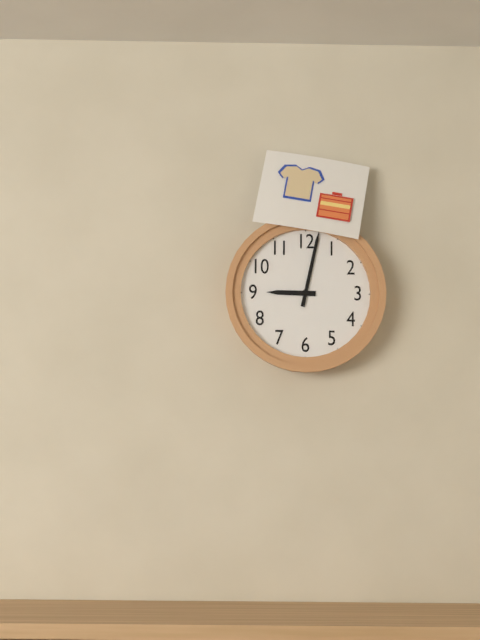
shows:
9,02
